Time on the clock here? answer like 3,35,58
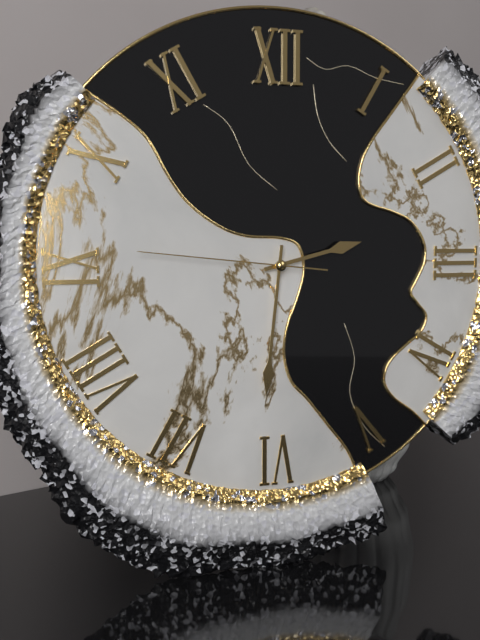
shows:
2,31,46
